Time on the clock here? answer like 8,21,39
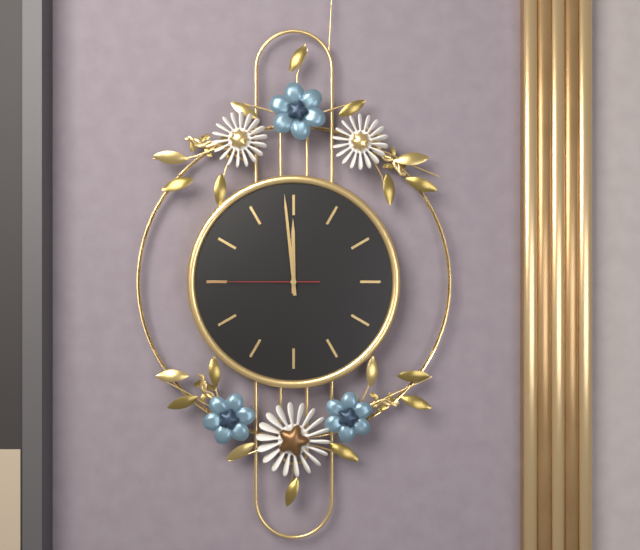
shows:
11,59,45
